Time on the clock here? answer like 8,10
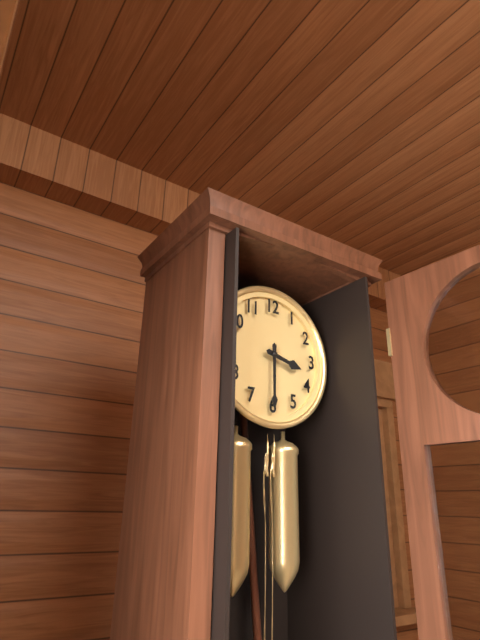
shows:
3,30
